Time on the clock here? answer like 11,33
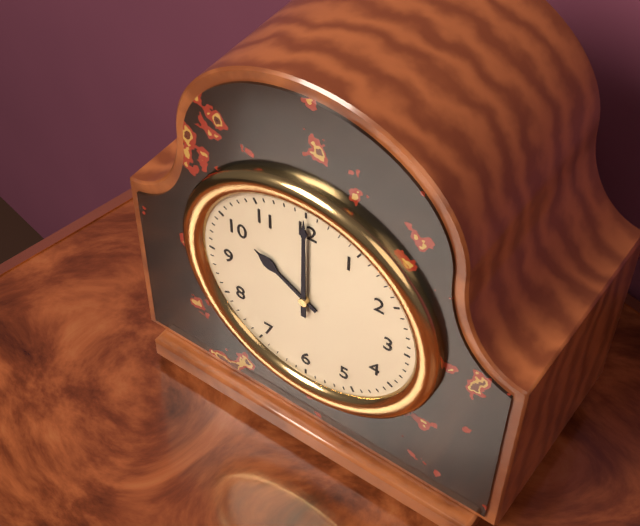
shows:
10,00
